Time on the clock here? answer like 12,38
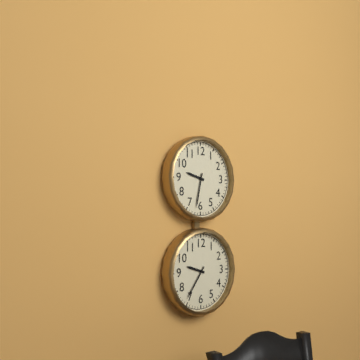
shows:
9,32
